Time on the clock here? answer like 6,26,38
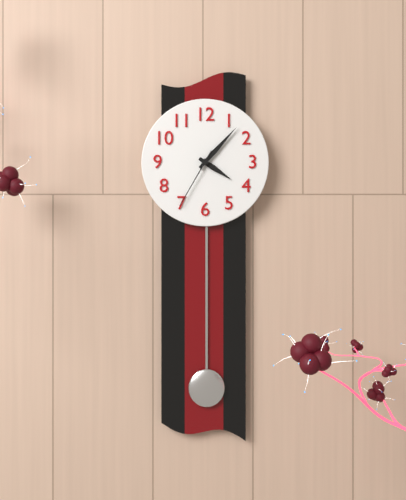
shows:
4,07,35
